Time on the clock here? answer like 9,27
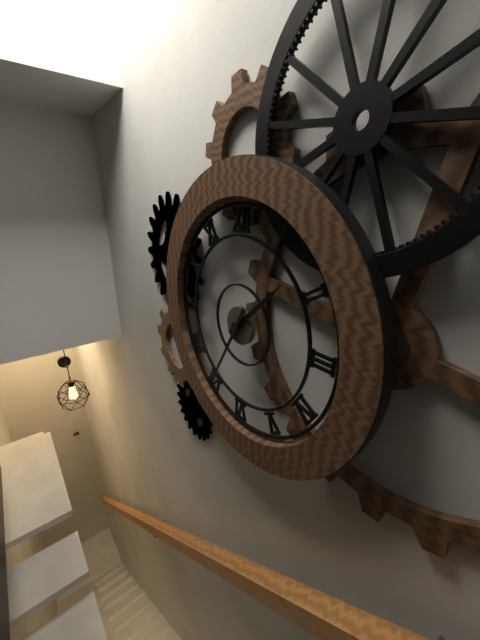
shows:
1,35
